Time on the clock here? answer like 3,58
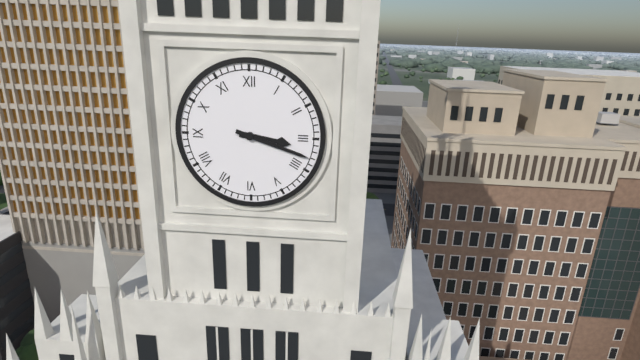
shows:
3,18
